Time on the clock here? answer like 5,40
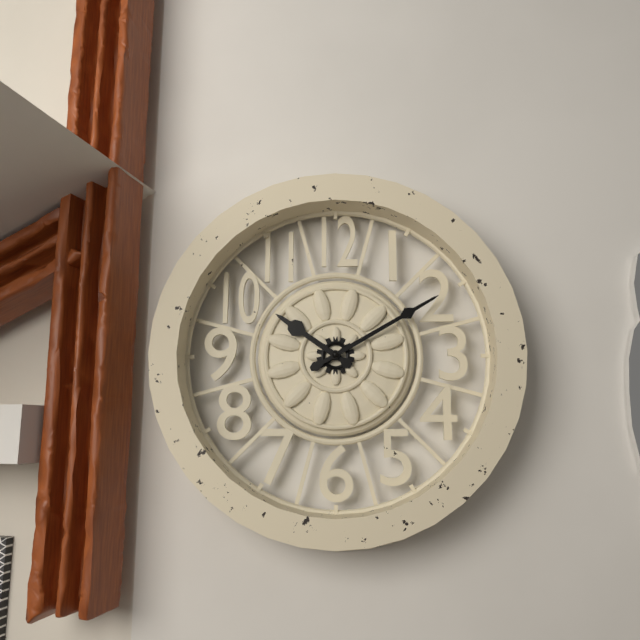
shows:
10,10
